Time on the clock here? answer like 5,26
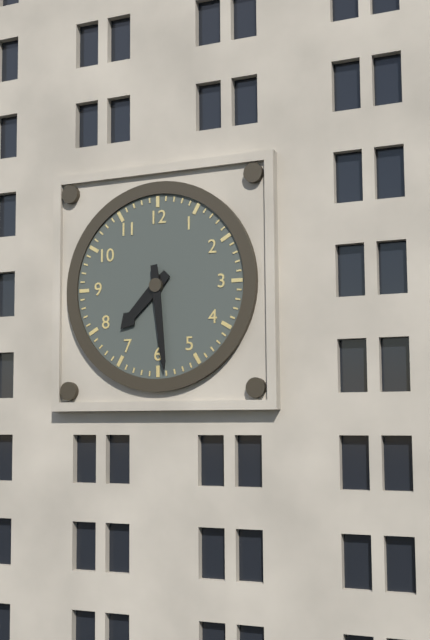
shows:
7,29
